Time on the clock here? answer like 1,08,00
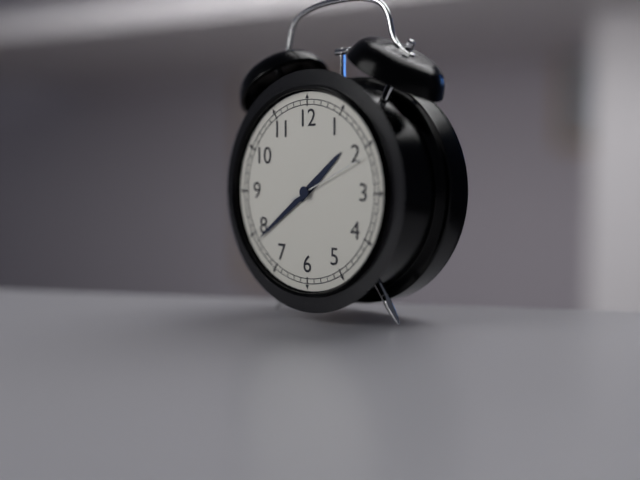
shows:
1,39,11
